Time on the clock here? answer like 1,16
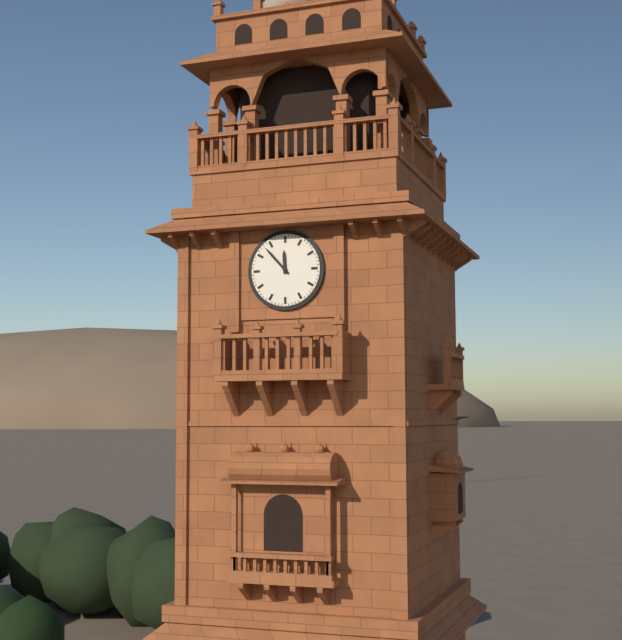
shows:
11,53
